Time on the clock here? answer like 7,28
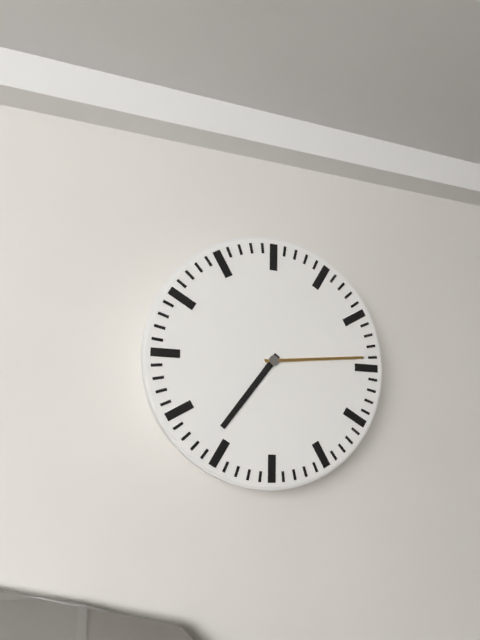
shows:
7,14
